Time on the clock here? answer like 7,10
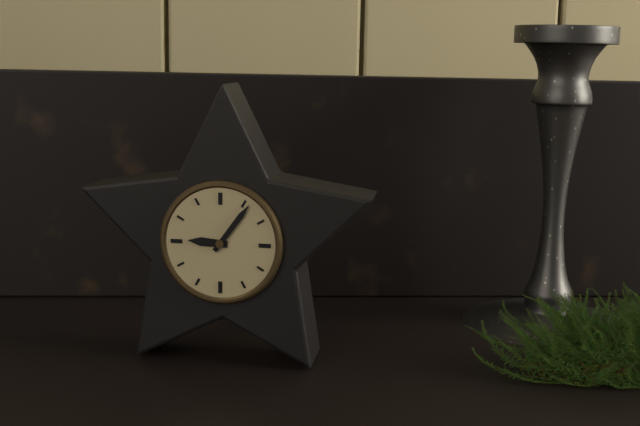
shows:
9,06
